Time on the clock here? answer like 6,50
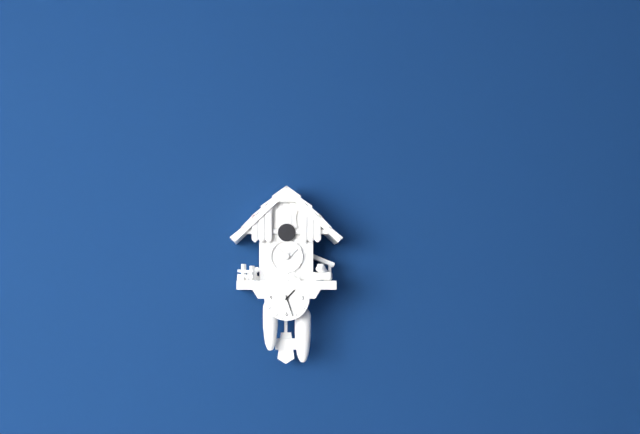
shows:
1,27
